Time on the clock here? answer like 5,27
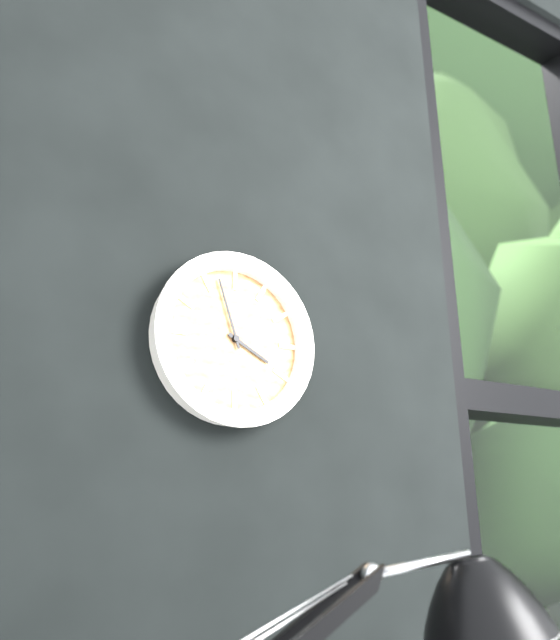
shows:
3,57
